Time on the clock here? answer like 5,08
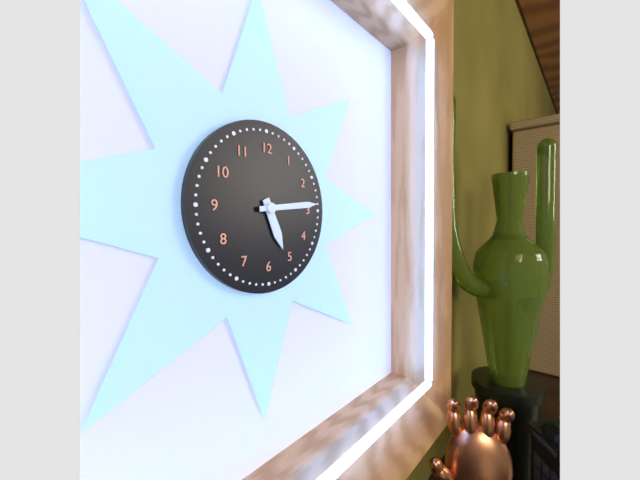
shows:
5,14
